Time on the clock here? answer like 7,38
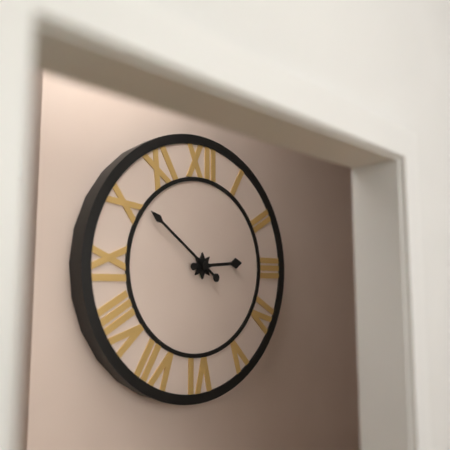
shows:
2,51
